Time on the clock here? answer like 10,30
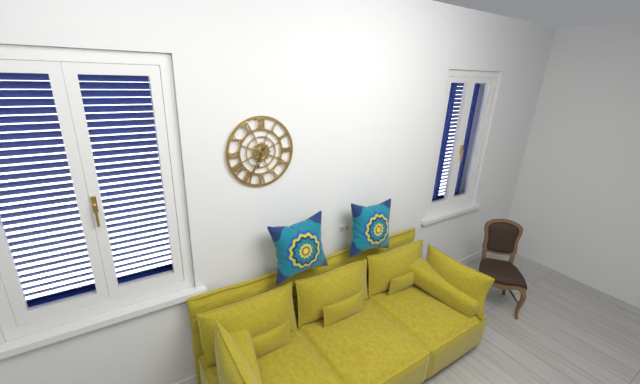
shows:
6,35
